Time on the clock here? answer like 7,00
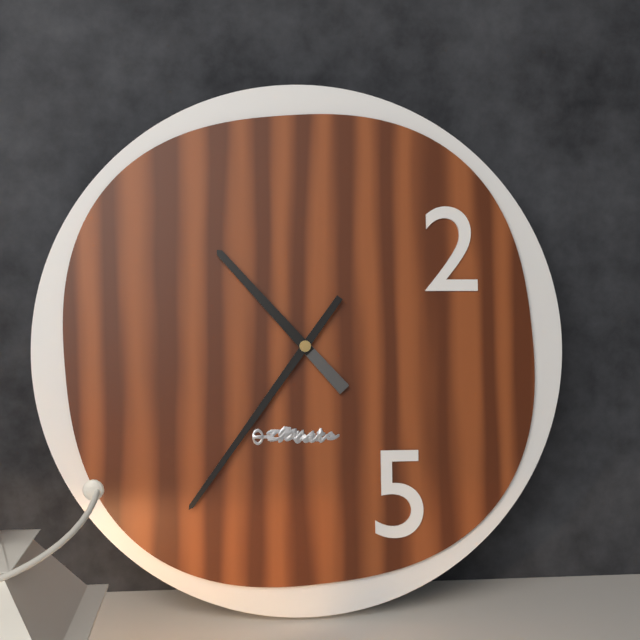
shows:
10,36
